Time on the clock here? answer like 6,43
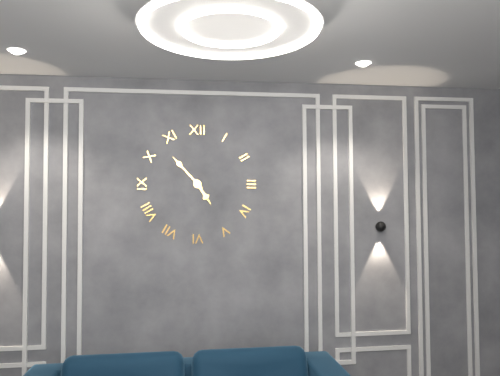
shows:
4,53
